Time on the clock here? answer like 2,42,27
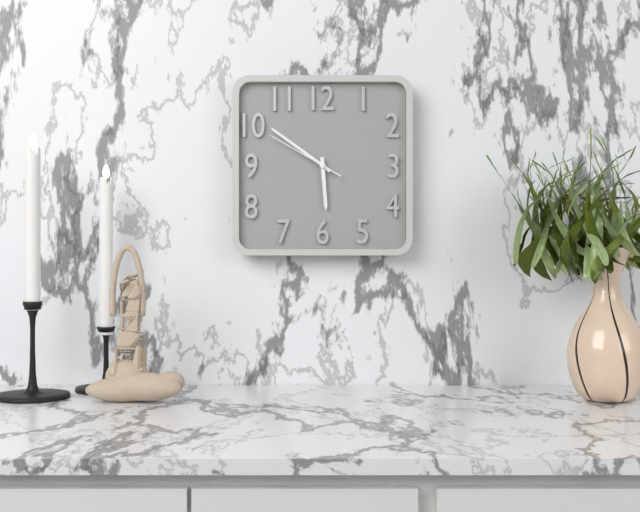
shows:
5,51,50
